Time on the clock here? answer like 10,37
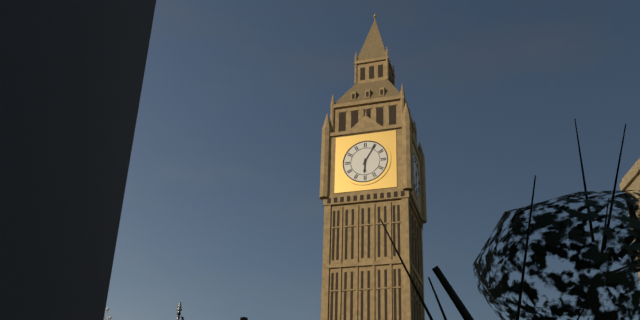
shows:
6,05
